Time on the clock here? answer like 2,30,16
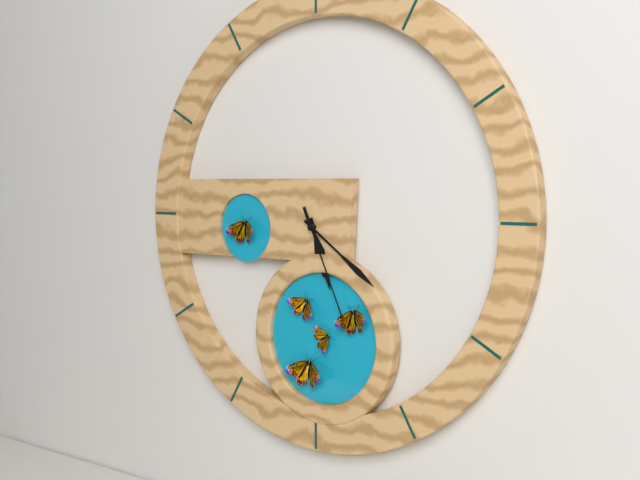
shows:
5,21,26
